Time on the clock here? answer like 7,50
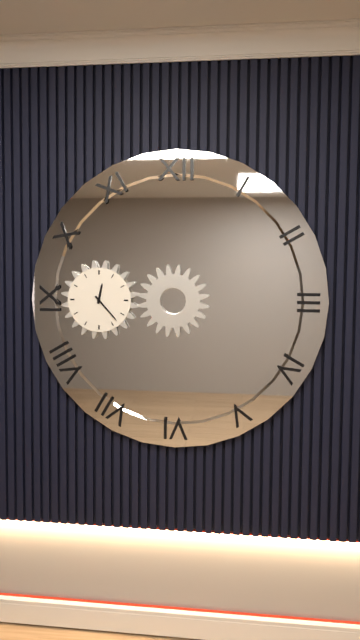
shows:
12,23
